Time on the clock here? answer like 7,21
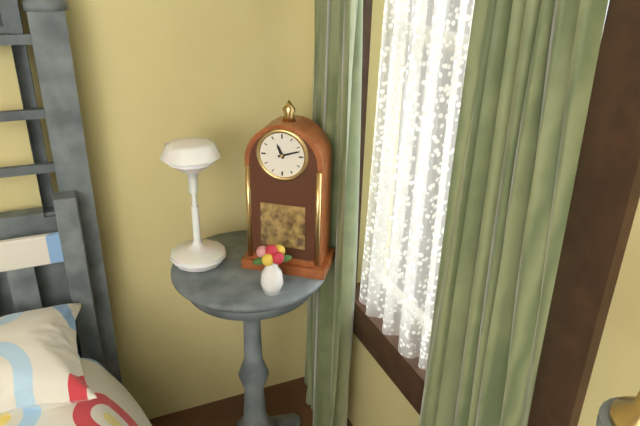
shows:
11,12
